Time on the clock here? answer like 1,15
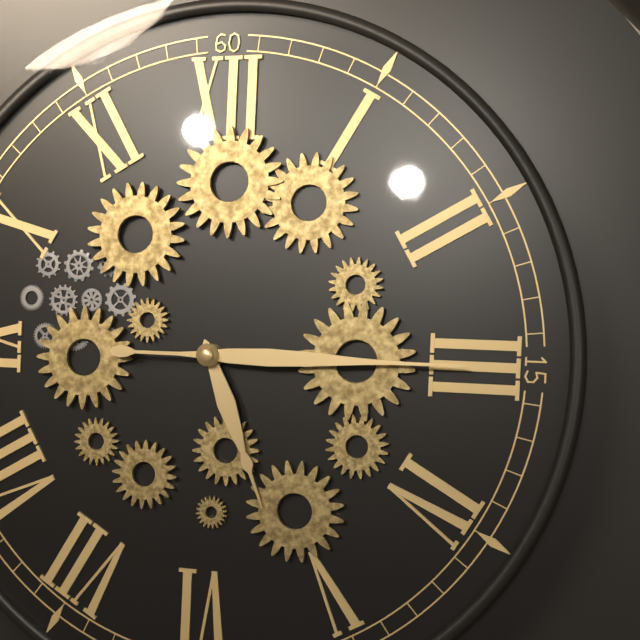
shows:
5,15
